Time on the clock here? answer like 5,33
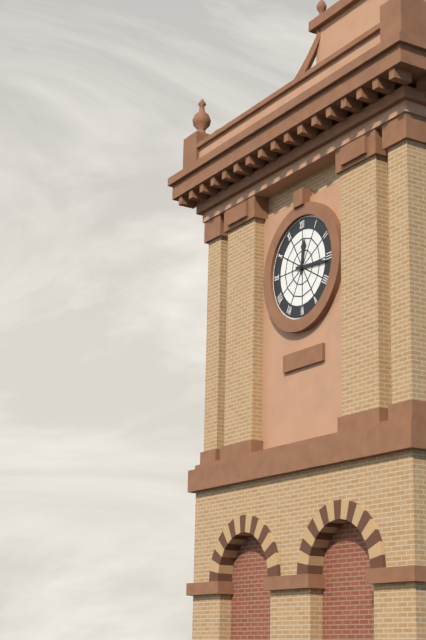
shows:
12,16
